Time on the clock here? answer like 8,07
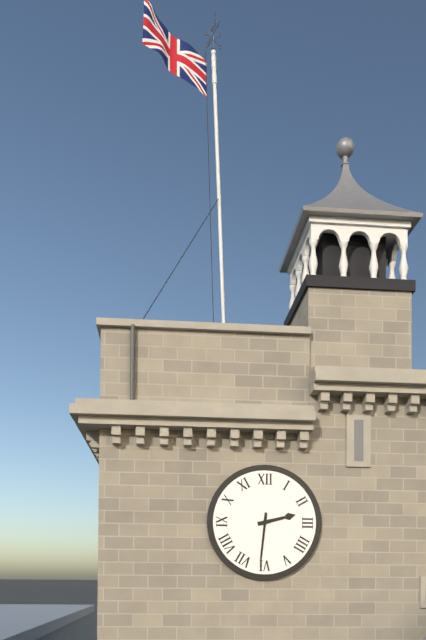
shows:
2,31
